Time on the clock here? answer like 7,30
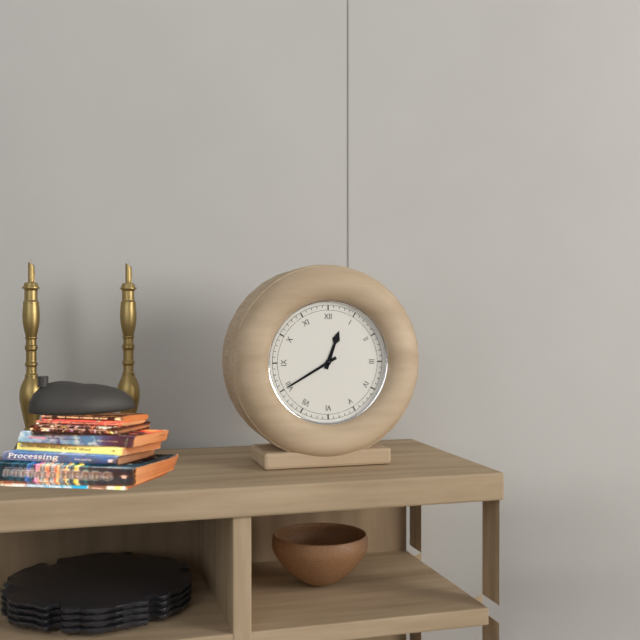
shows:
12,40
